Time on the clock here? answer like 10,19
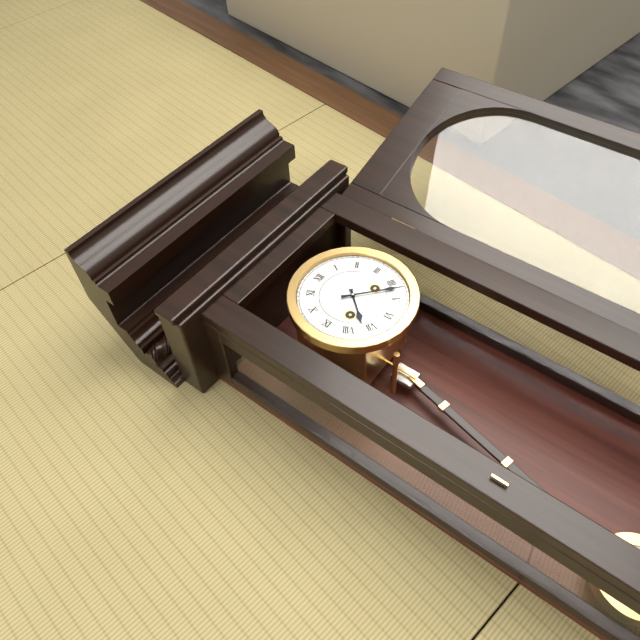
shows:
7,22
